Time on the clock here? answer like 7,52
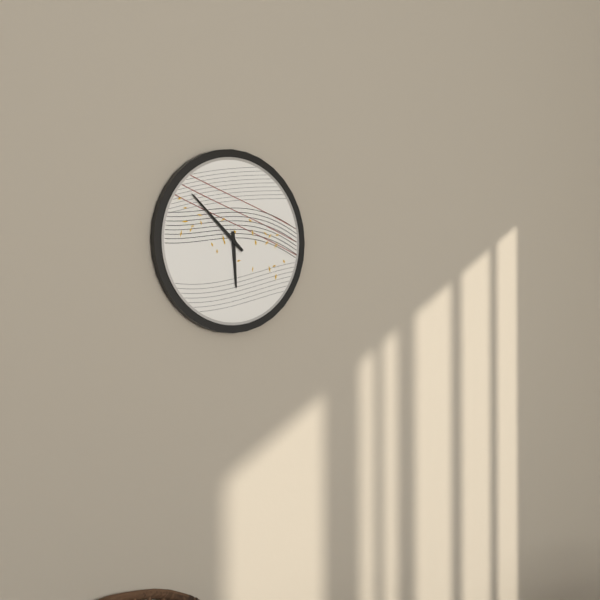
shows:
5,52
